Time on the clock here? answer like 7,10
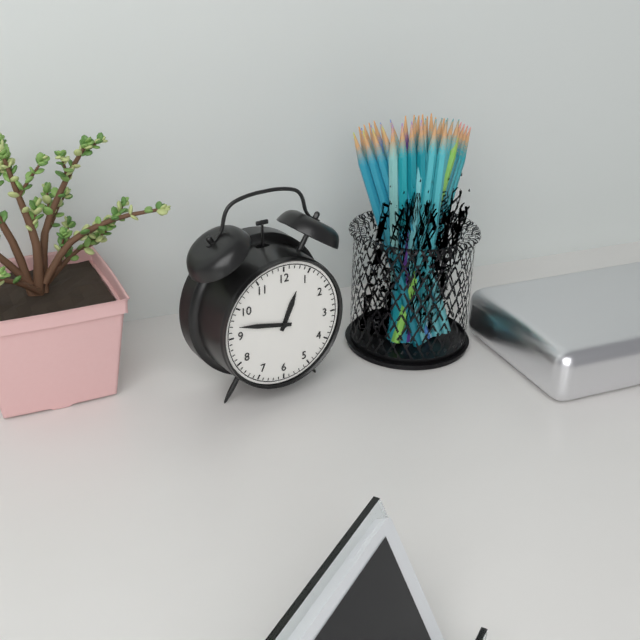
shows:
12,47
